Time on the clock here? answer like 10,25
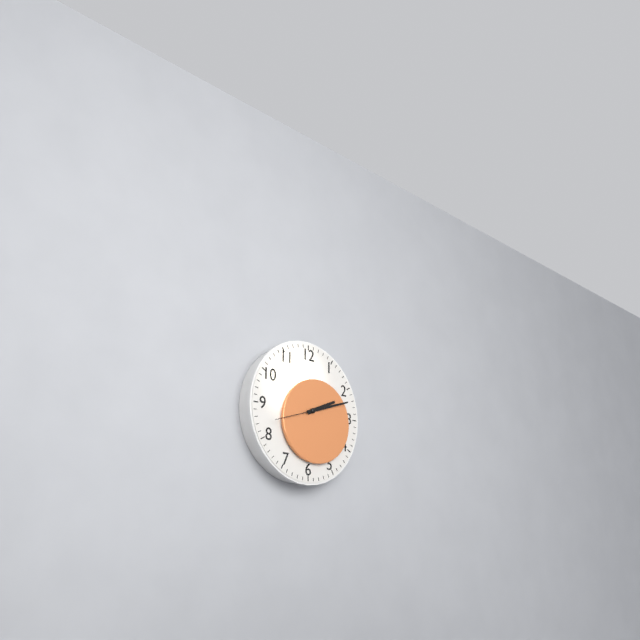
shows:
2,12
